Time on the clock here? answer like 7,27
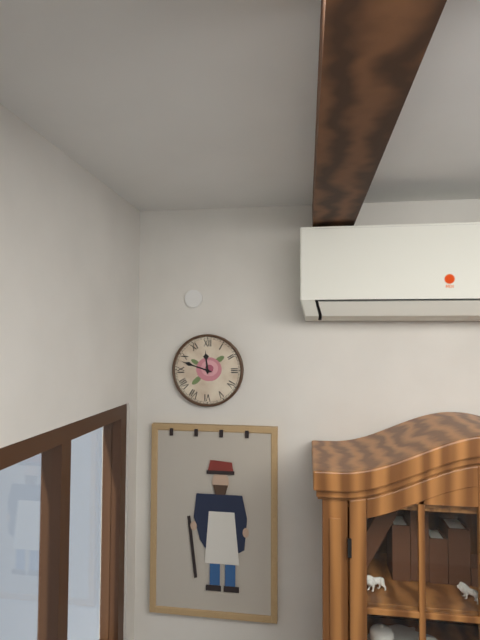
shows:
11,48
